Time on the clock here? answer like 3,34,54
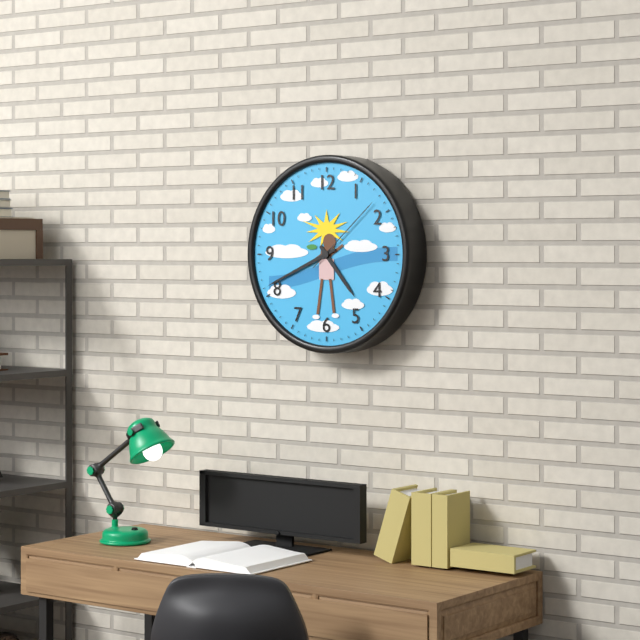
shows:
4,41,08
